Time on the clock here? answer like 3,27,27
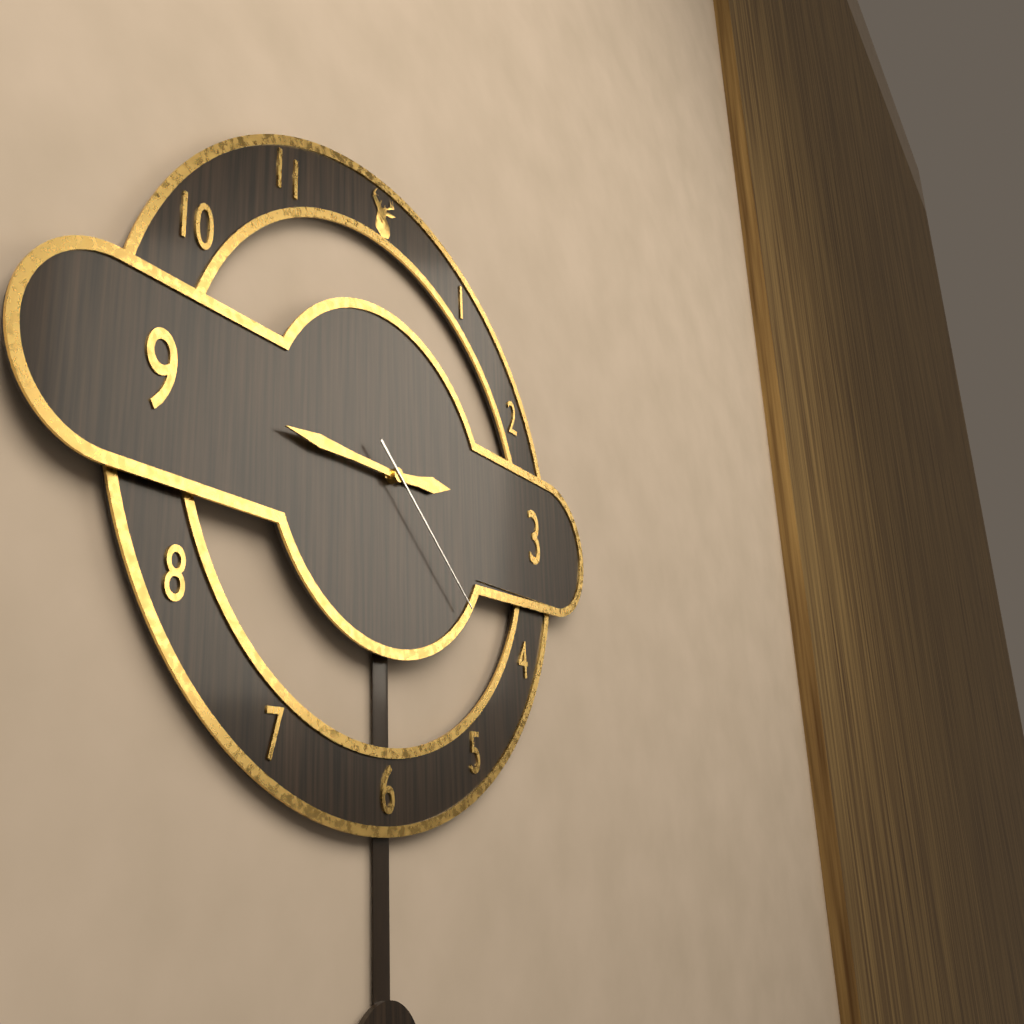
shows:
2,45,22
